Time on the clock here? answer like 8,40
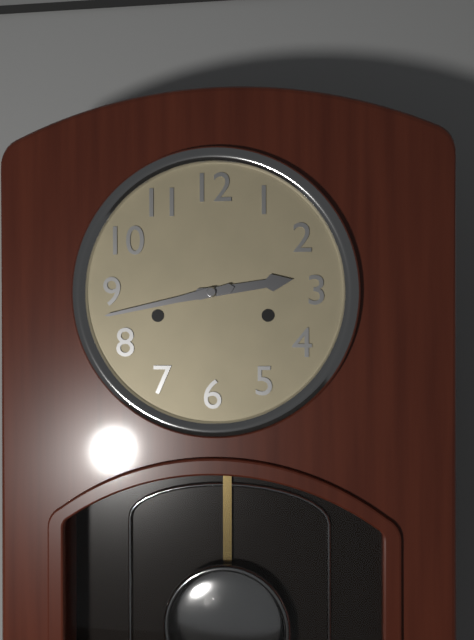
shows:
2,43
